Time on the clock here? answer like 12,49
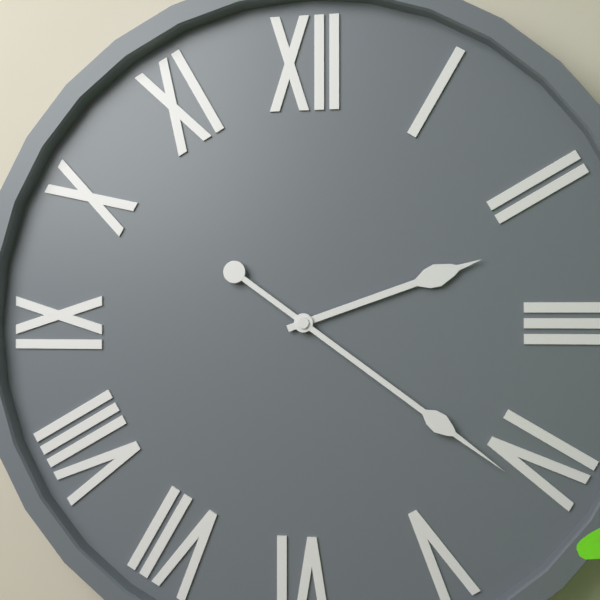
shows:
2,21
